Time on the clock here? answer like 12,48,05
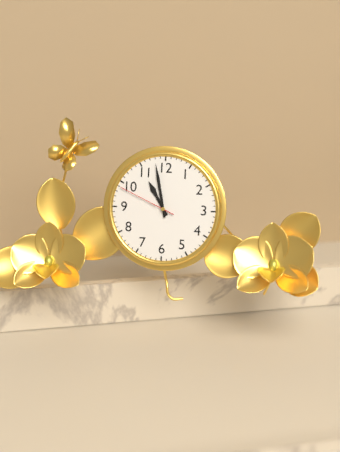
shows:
10,58,49
